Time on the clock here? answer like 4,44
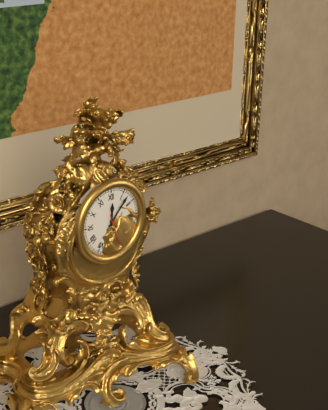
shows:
12,07
